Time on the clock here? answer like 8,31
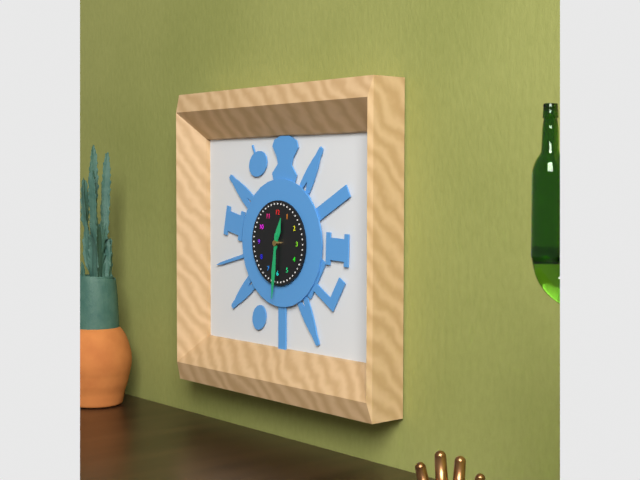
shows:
12,31
